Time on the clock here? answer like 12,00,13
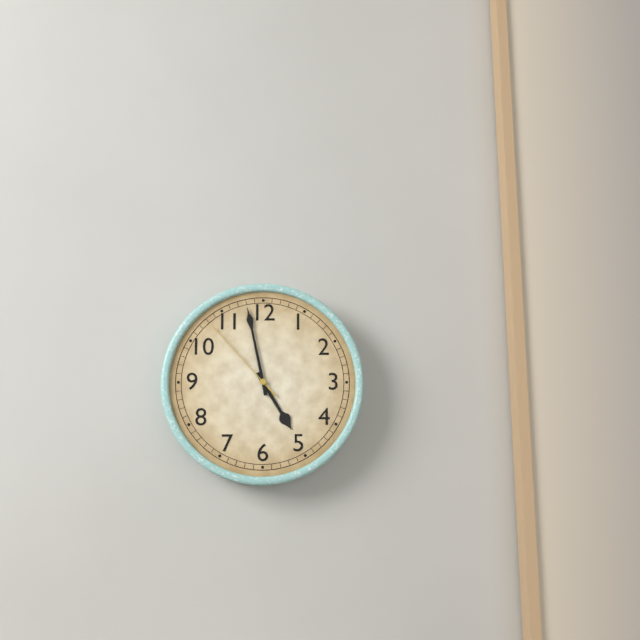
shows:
4,58,53
